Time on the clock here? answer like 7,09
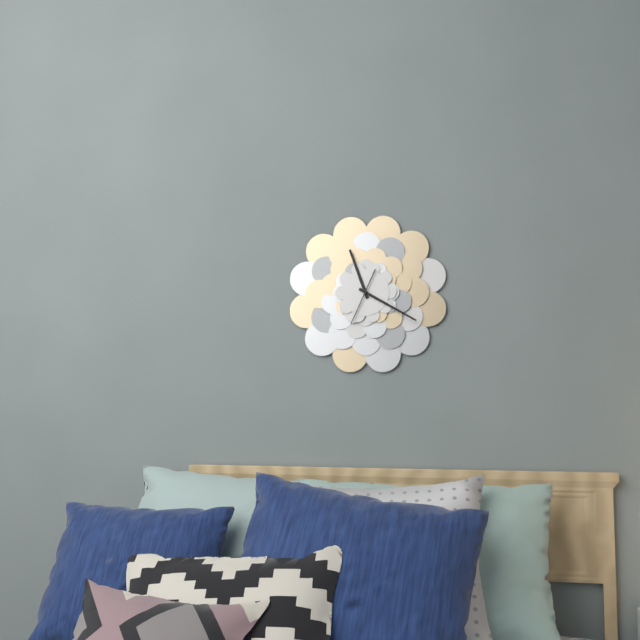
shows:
11,20
